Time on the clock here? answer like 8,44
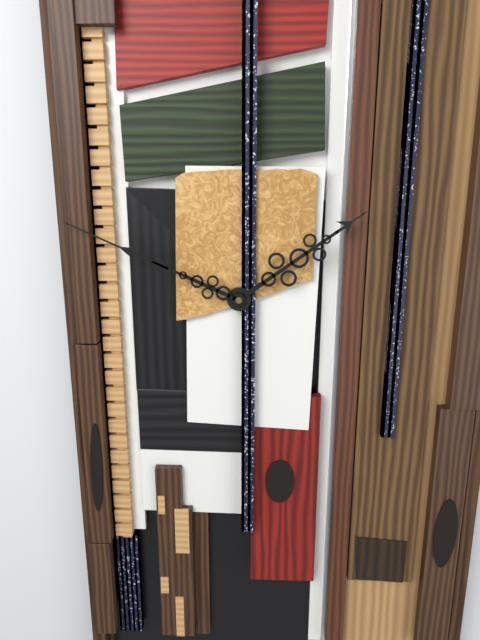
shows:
1,49
